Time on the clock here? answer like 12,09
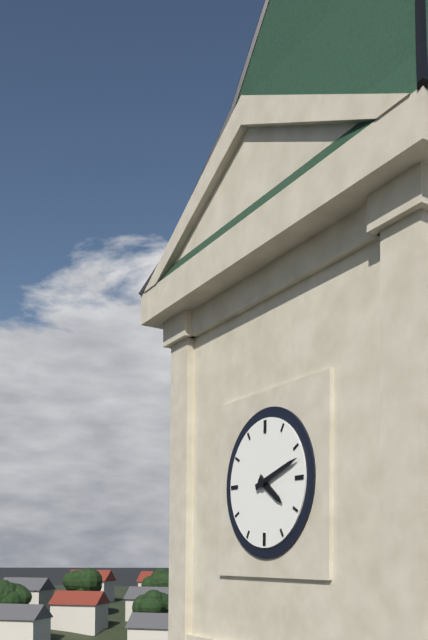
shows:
4,12
